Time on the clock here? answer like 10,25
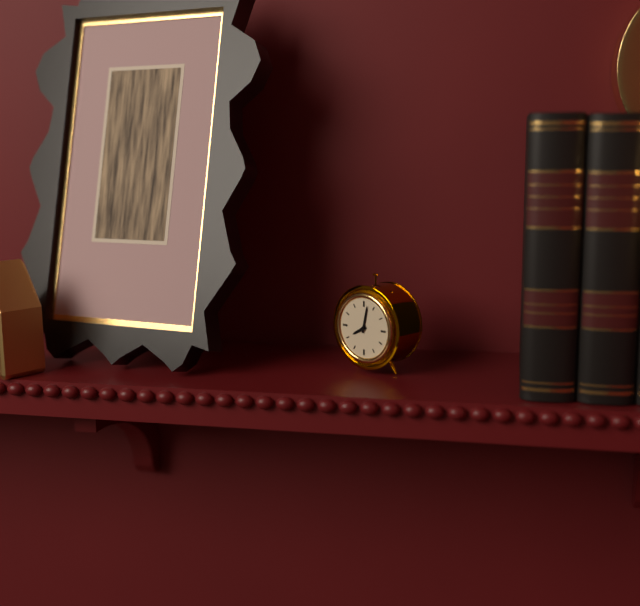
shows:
8,02
